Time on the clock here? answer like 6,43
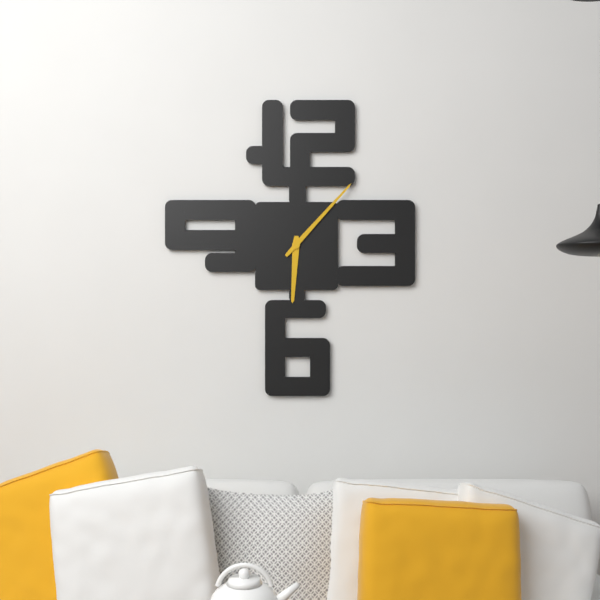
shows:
6,07
